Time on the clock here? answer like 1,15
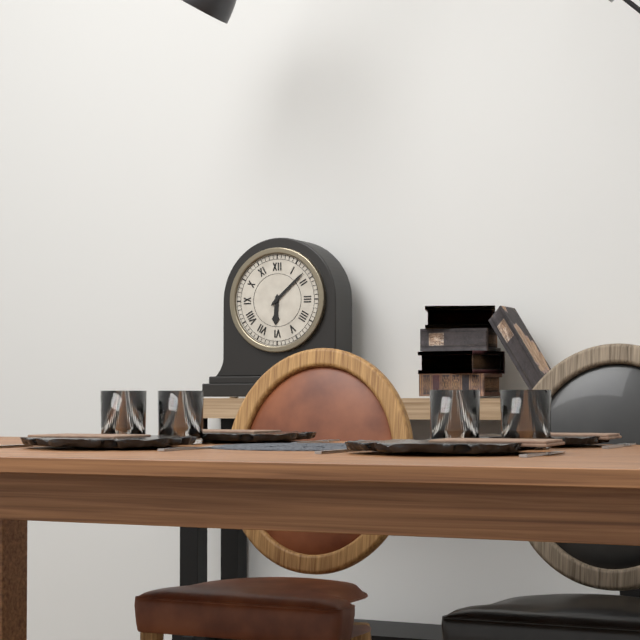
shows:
6,08
